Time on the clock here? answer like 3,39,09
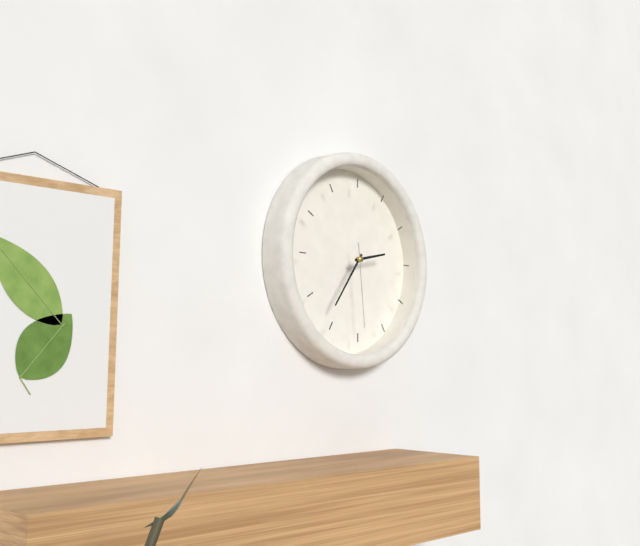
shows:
2,36,29
